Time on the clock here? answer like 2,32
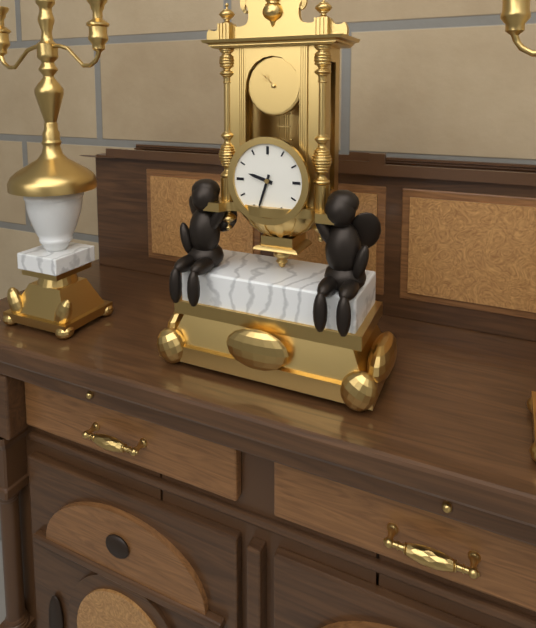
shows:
9,33
